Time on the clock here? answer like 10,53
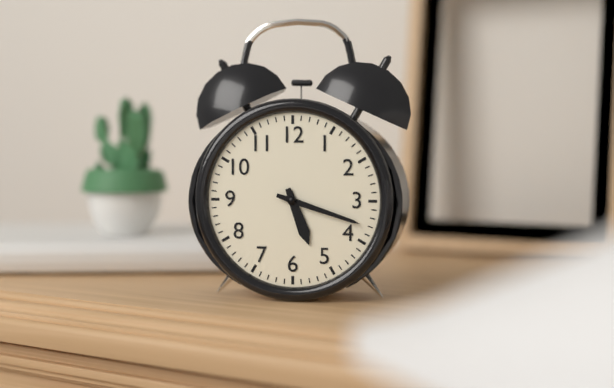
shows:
5,18
